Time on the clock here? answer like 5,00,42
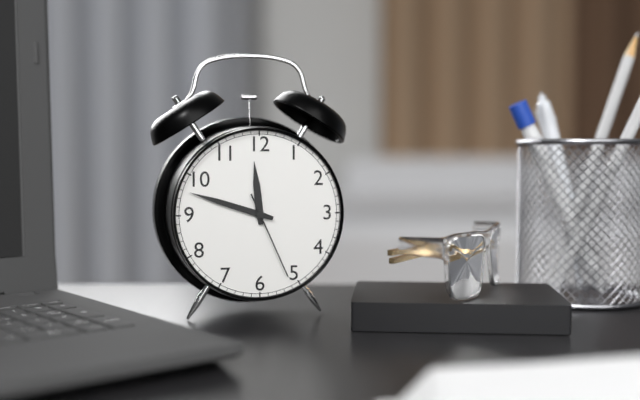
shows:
11,48,26
